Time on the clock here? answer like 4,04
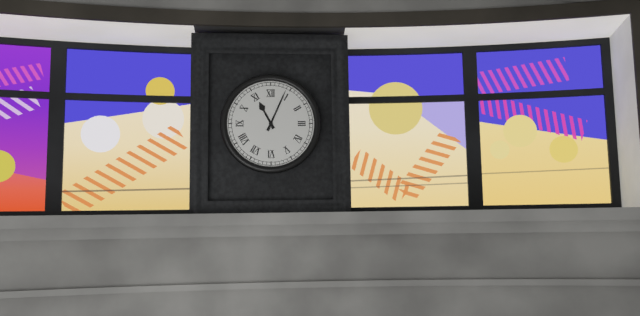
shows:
11,04
